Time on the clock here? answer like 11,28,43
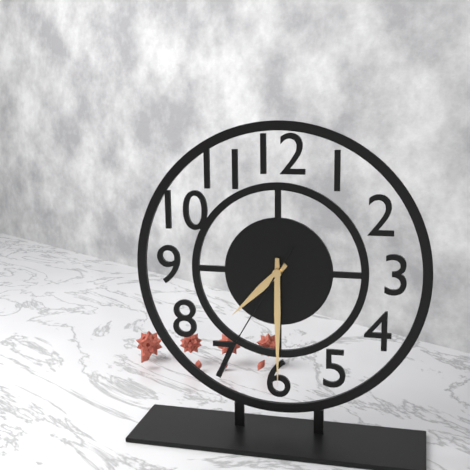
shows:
7,30,35
